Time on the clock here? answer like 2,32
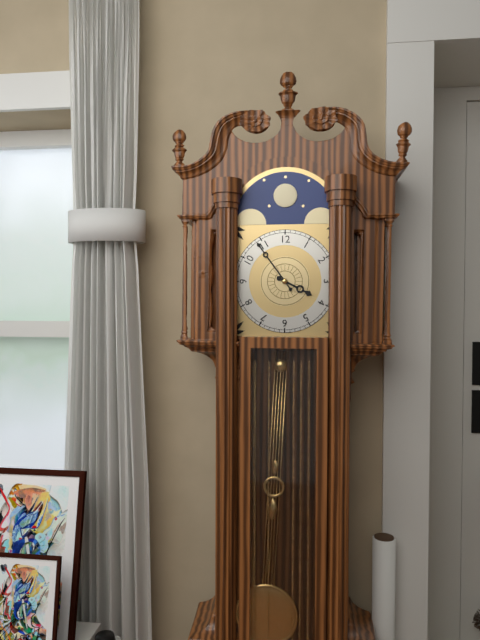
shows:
3,54
